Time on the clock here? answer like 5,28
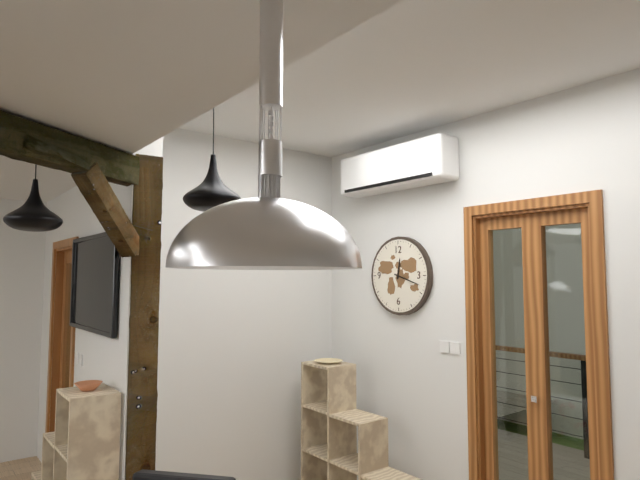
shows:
12,18
